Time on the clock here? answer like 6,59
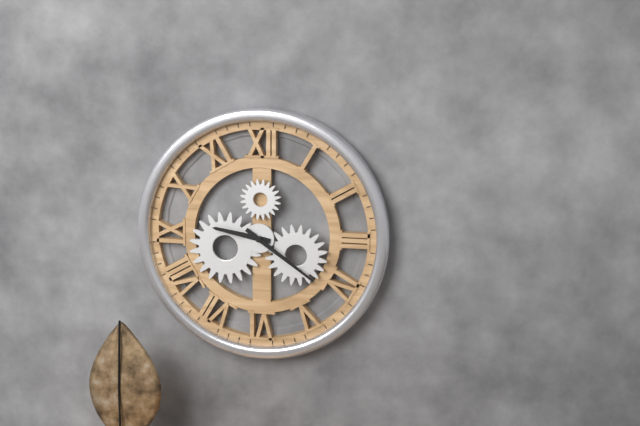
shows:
9,21
